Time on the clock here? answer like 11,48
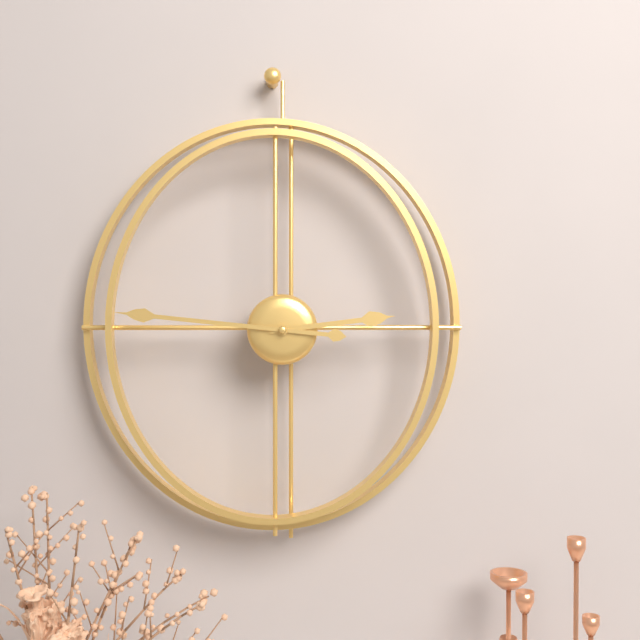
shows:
2,46
